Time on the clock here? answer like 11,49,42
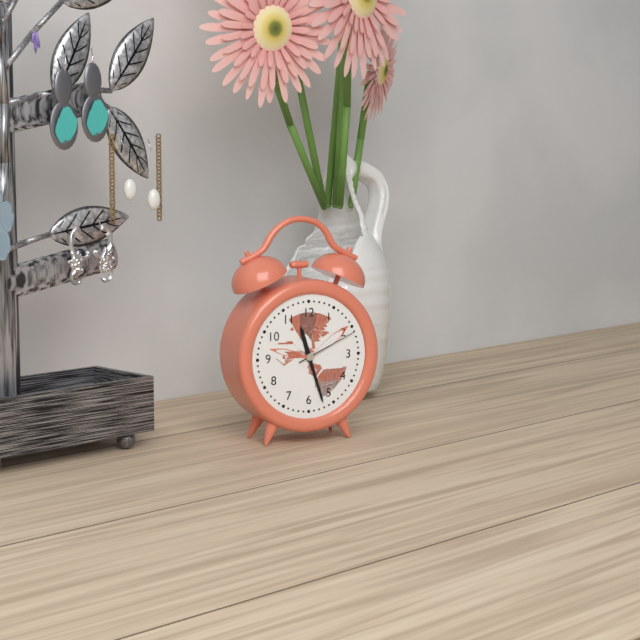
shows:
11,27,11
